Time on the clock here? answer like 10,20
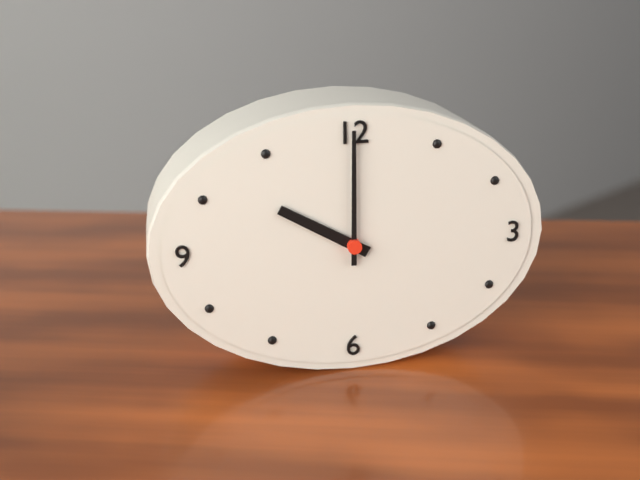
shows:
10,00
